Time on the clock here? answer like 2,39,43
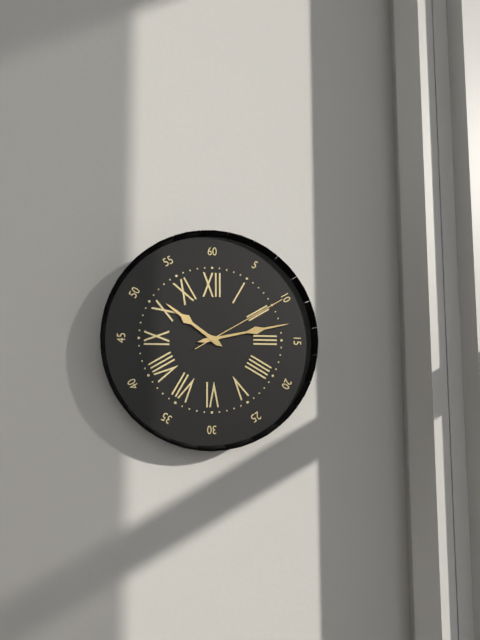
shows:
10,13,10
